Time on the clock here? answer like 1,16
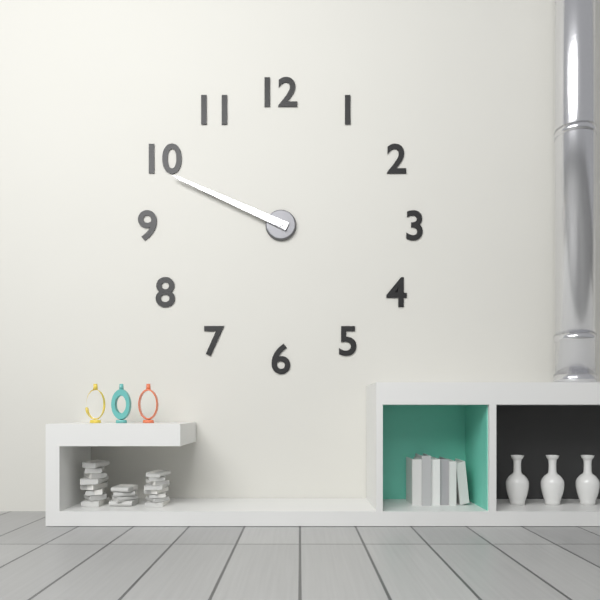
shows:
9,49
